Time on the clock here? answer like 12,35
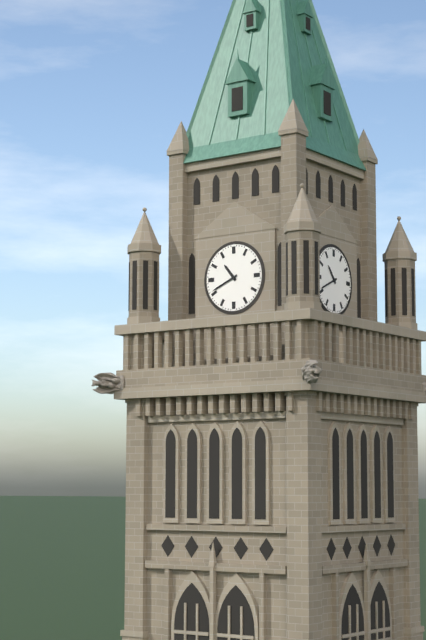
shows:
10,41
